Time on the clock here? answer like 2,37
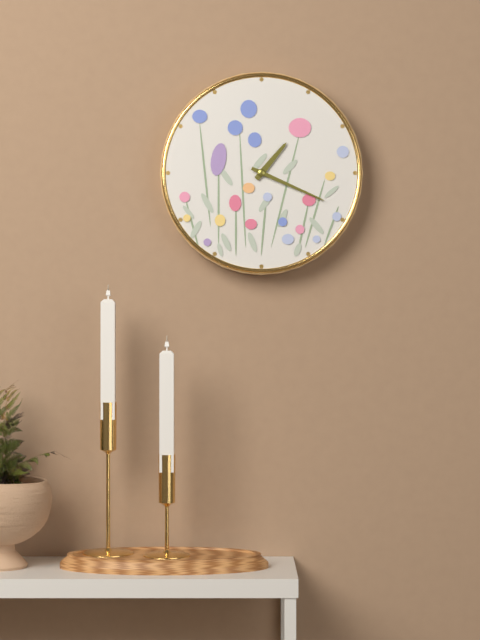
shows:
1,19
